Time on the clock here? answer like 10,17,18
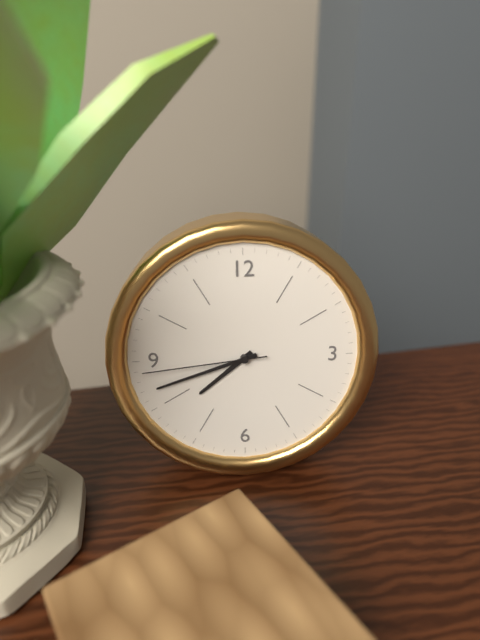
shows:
7,42,44
